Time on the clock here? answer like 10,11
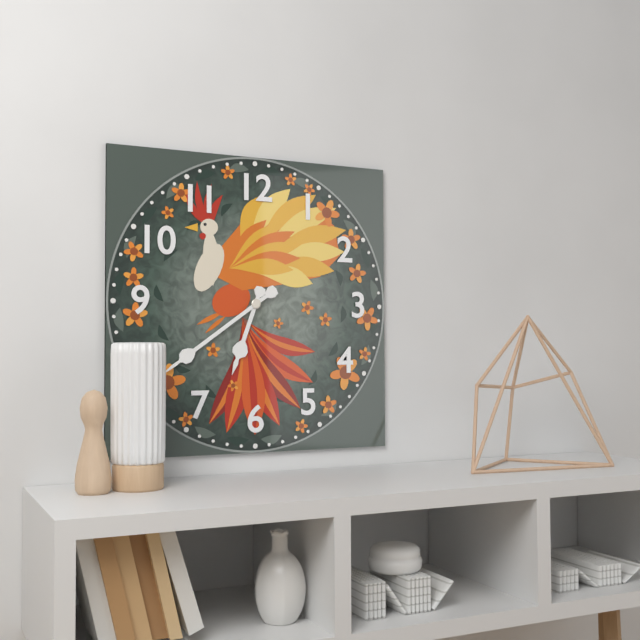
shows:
6,39
